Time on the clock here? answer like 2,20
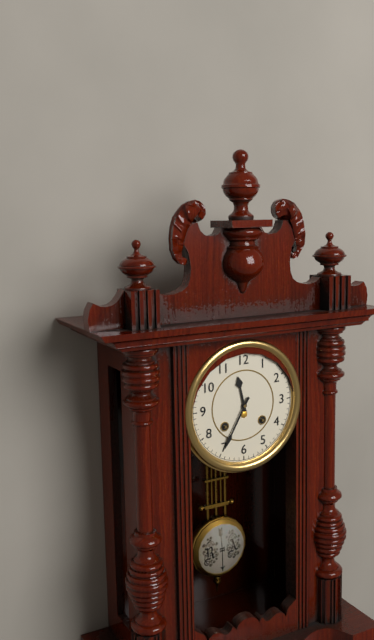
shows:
11,35
